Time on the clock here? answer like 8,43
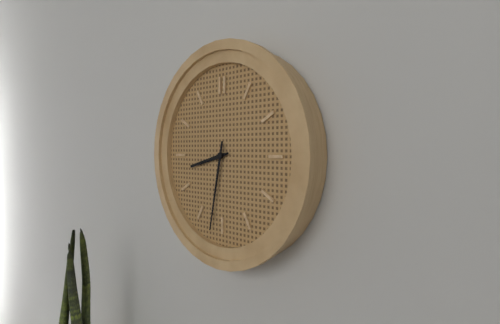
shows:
8,32
